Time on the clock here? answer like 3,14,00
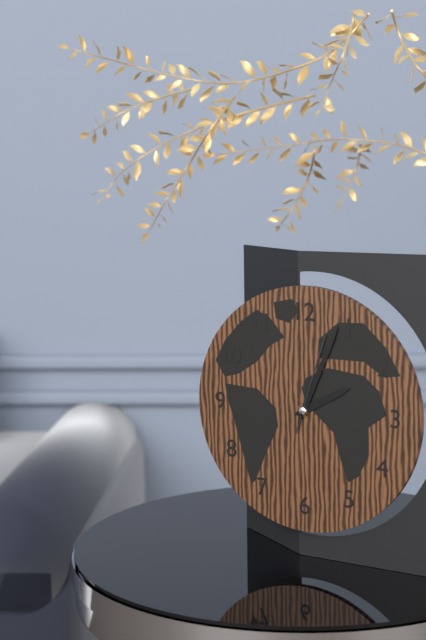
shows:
2,04,03
